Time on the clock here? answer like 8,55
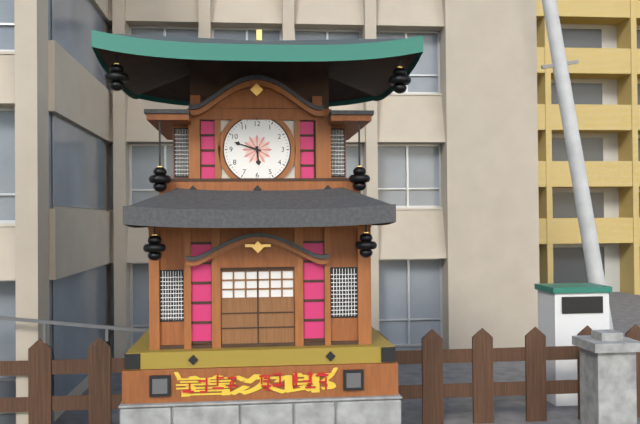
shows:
5,48
